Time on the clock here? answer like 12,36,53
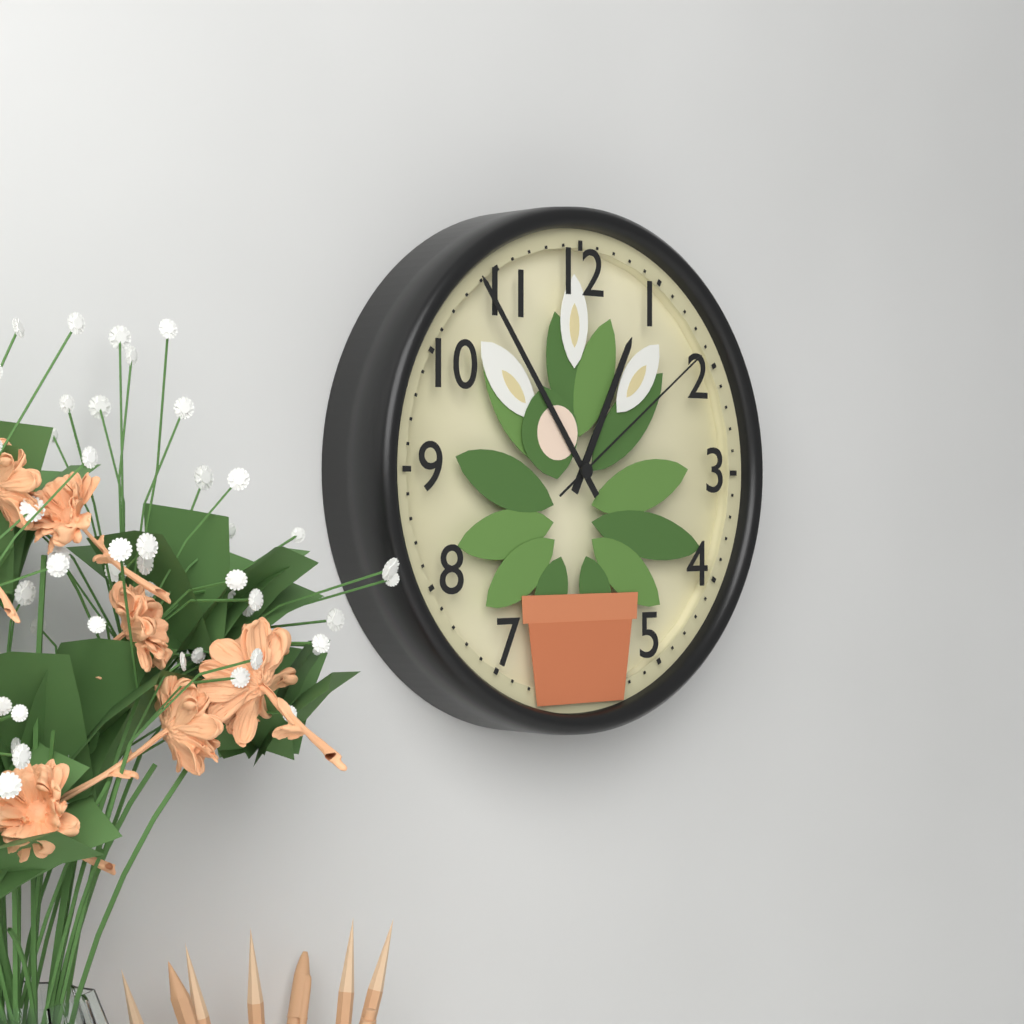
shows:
12,54,09
